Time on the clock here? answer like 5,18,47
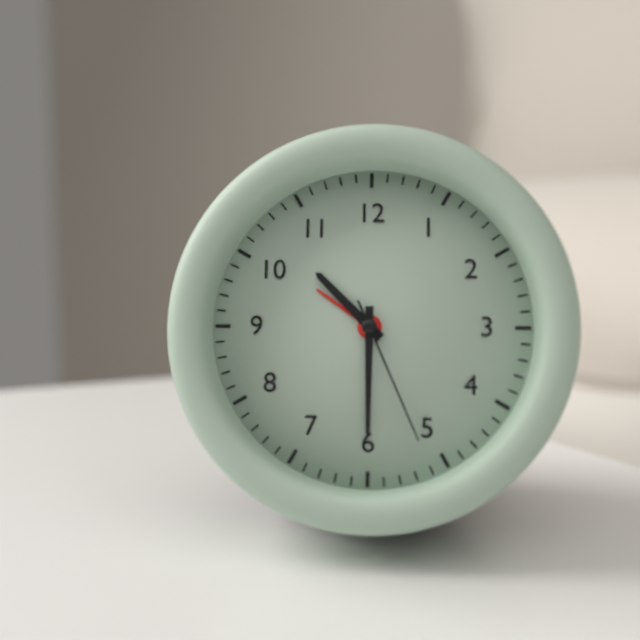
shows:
10,30,26
